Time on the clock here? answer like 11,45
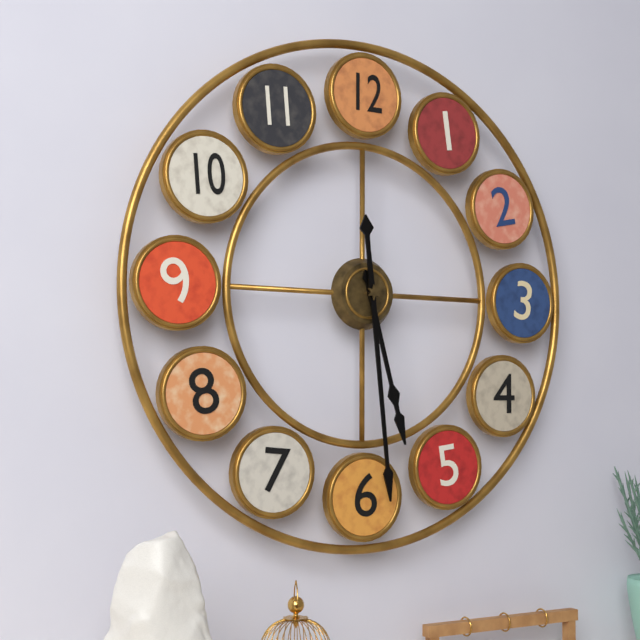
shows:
5,29
